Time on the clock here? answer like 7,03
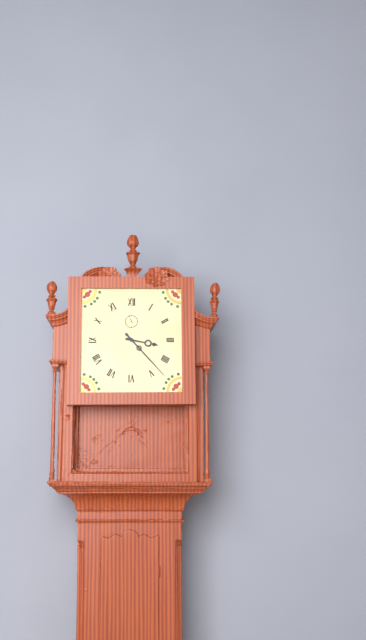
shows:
3,23
